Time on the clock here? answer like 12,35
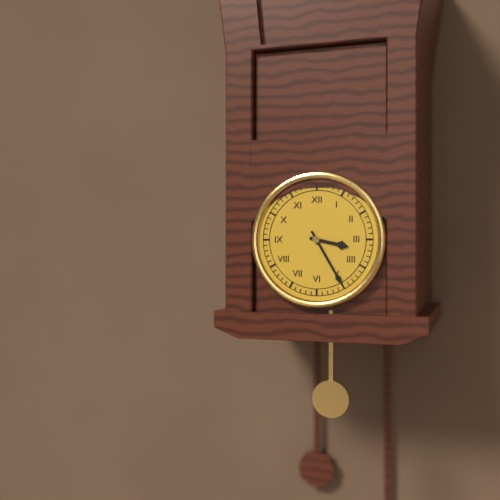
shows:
3,25
